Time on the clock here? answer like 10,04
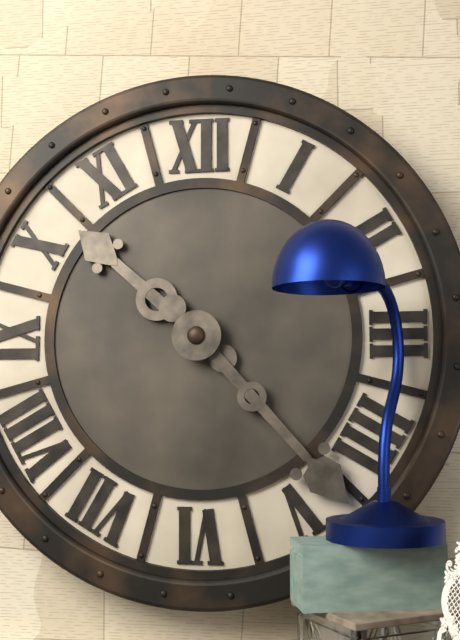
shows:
10,23
